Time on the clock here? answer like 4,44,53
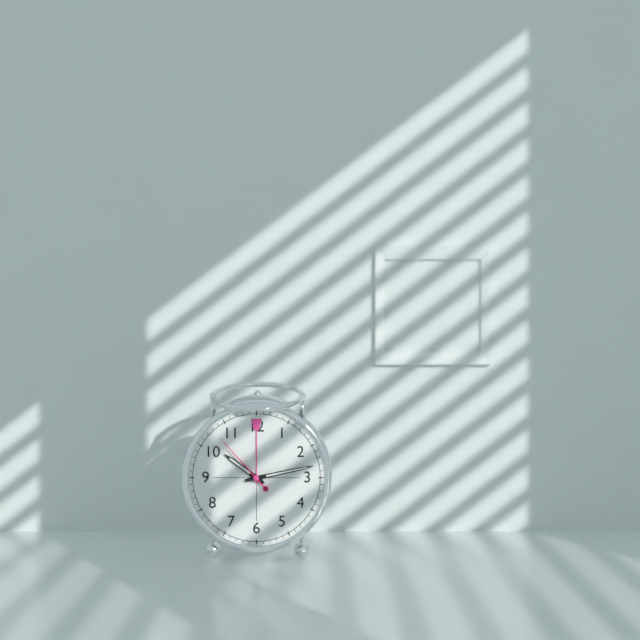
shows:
10,13,53
